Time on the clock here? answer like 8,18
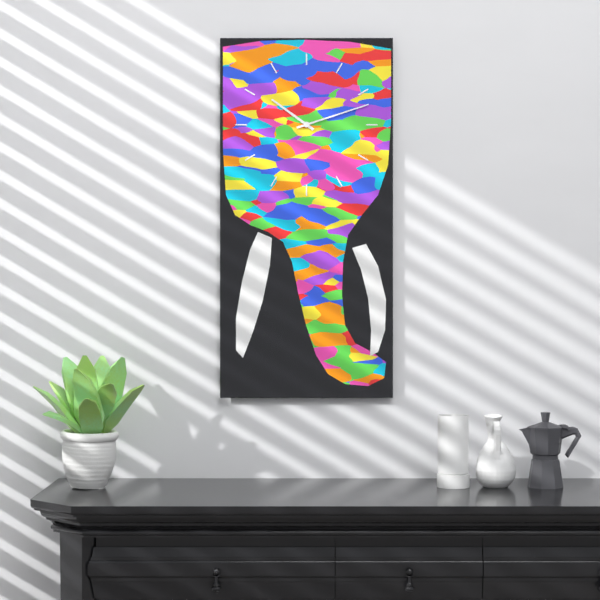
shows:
10,12
